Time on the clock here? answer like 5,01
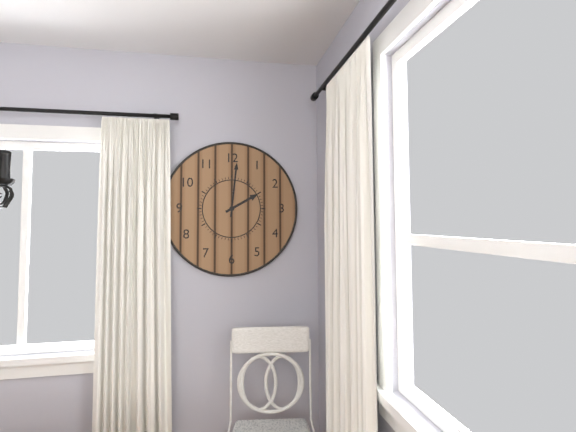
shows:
2,01
